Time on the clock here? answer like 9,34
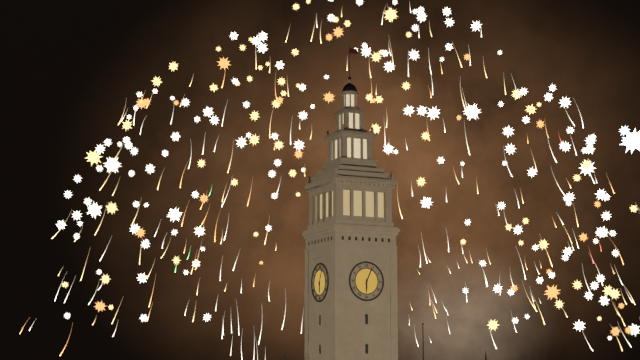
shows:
6,04
